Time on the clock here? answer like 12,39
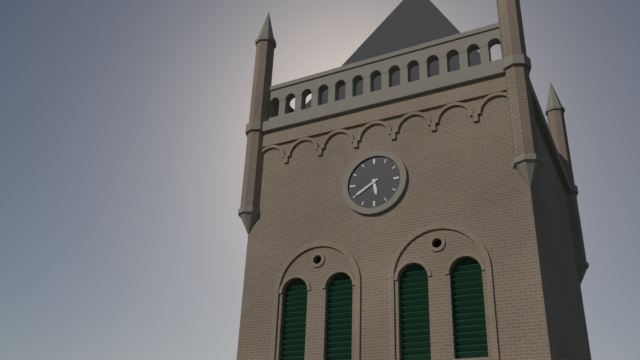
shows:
5,40
